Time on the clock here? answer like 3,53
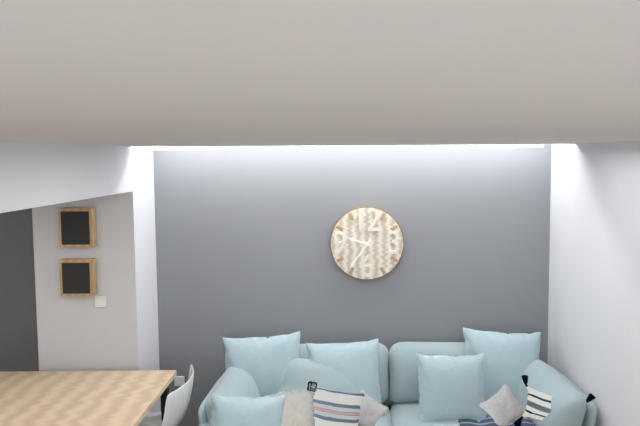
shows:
9,36
